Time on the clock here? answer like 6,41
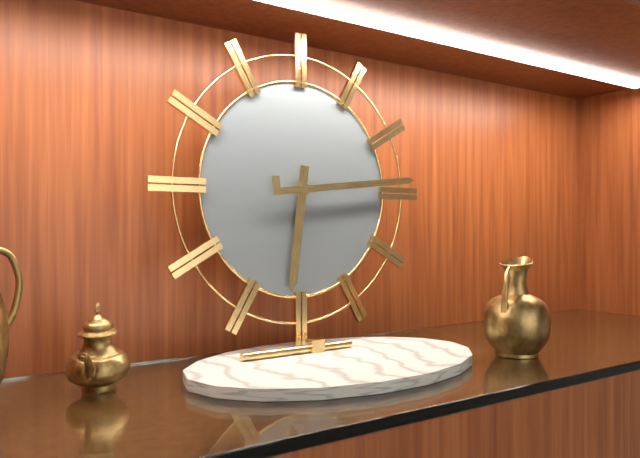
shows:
6,14
